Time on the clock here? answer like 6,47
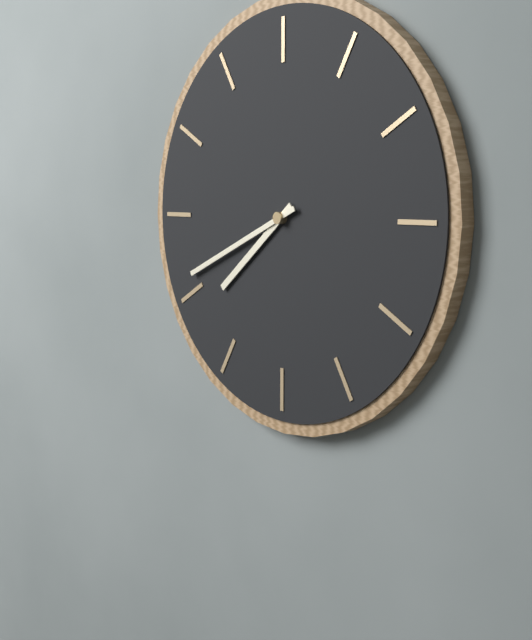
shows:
7,41
